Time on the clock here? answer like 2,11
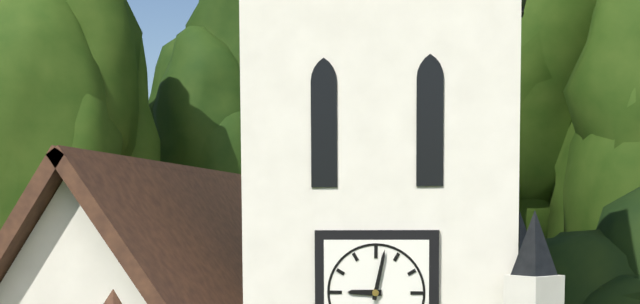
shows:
9,02
